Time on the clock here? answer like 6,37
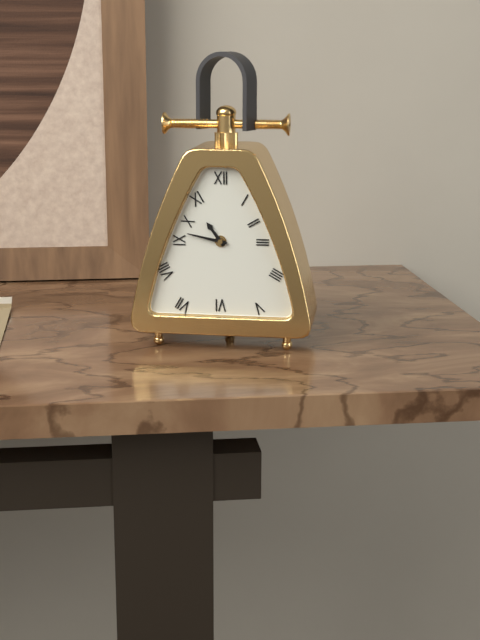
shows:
10,47
